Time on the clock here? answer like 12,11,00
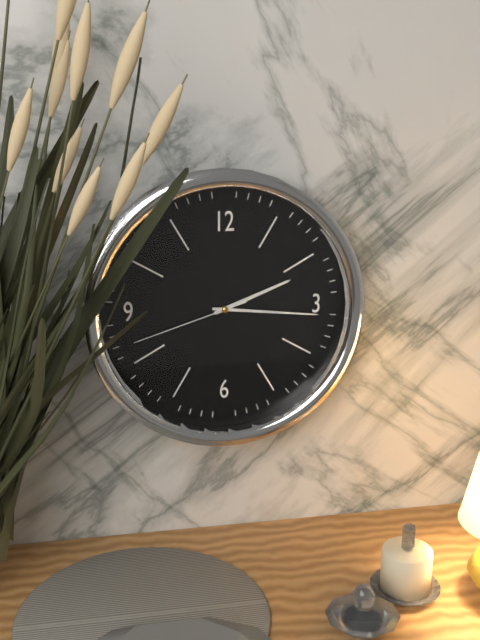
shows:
2,16,42
